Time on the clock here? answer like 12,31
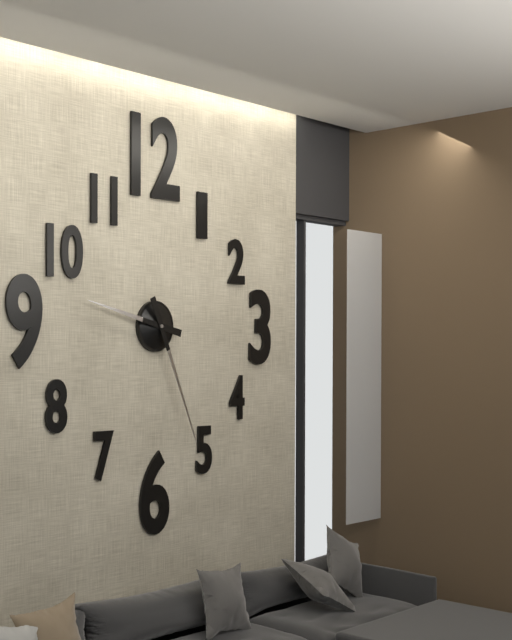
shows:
9,26
